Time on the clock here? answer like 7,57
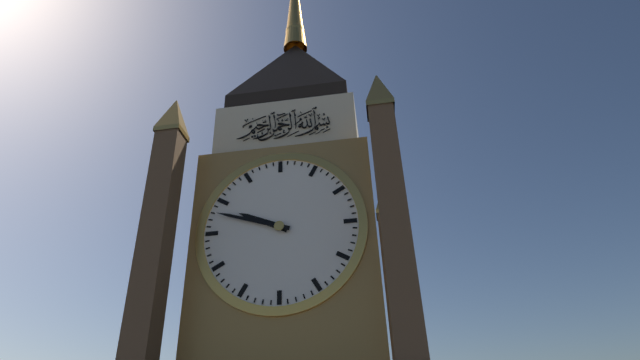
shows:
9,48
